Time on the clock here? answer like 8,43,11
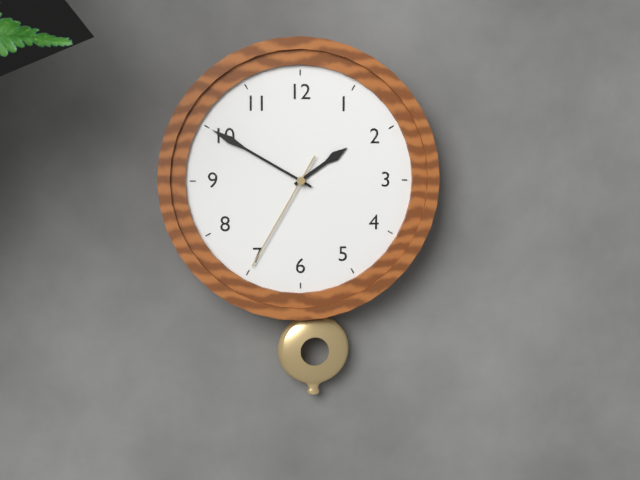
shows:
1,50,35
